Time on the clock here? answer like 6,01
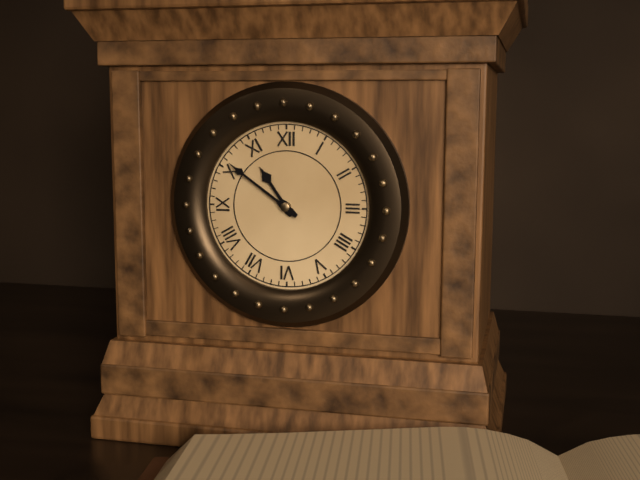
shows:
10,51
